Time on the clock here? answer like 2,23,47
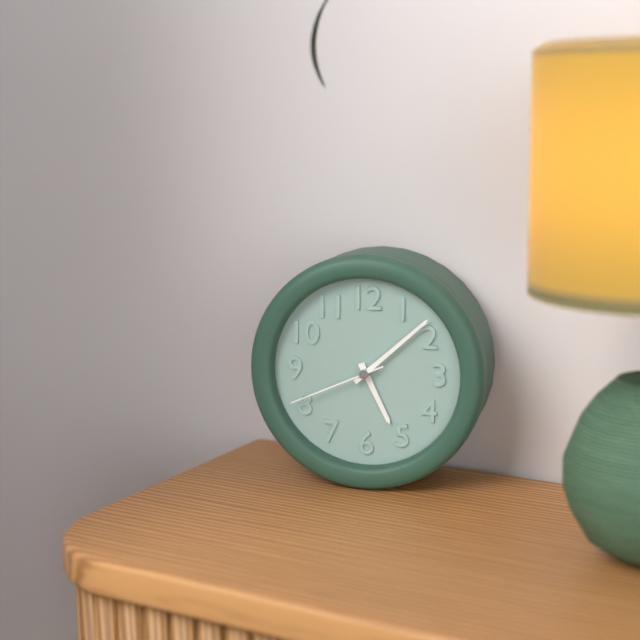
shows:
5,08,41
